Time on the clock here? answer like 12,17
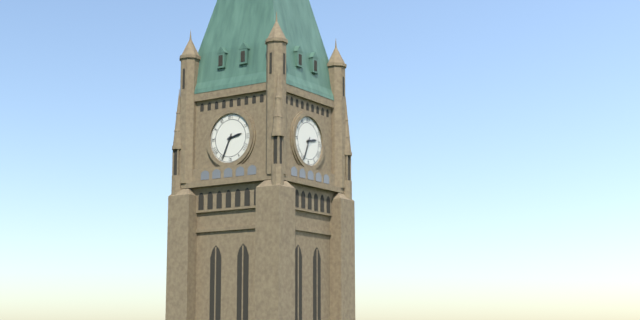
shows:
2,34
